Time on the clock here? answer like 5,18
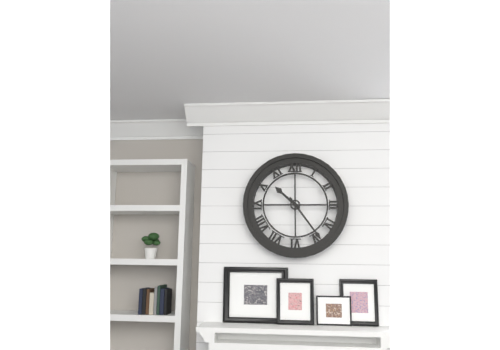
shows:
10,24
